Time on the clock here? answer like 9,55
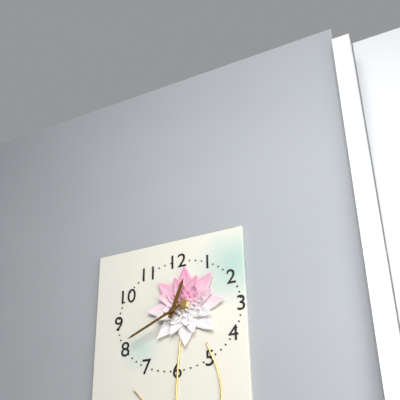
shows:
12,41
